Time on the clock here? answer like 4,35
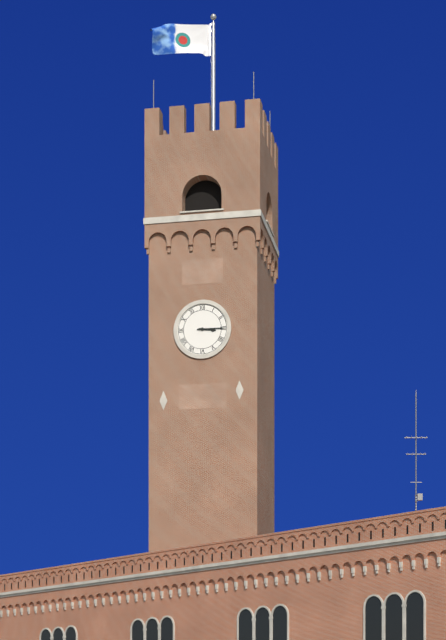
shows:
3,15
